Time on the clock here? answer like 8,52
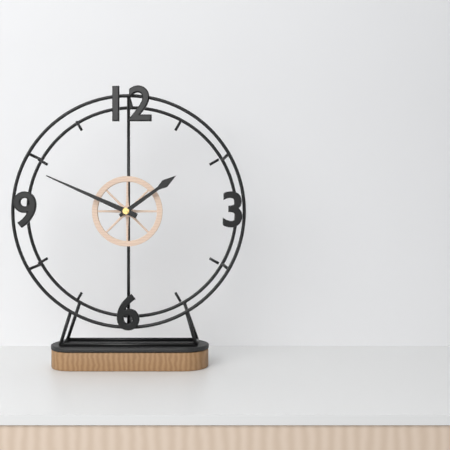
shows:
1,49
